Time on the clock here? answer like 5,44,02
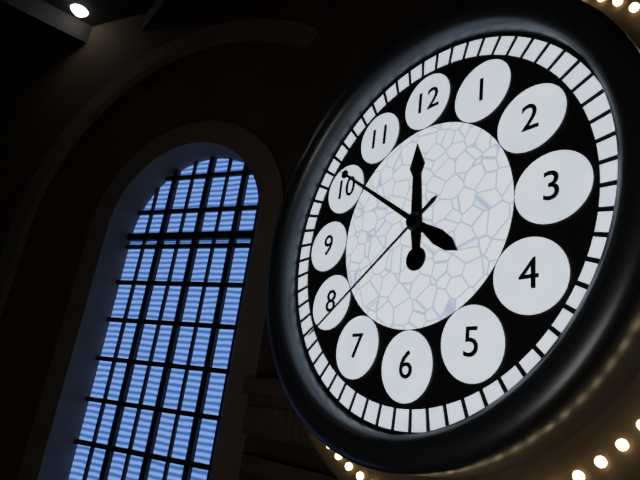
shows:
11,51,39
